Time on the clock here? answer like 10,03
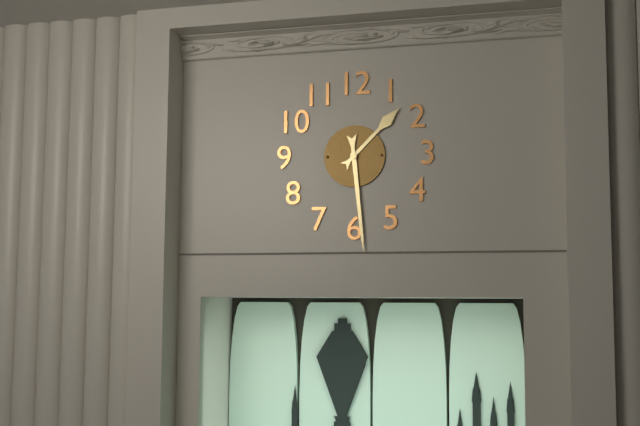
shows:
1,29
